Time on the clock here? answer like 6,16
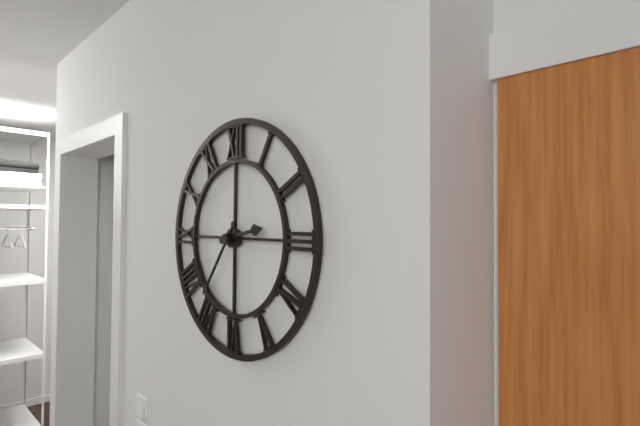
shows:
2,36
